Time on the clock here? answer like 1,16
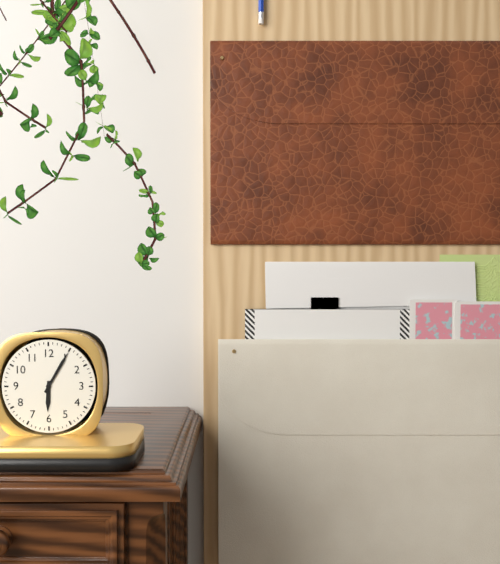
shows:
6,05
